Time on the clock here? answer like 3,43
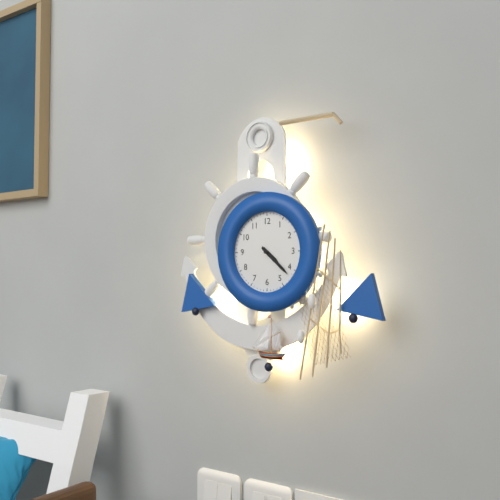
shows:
4,22
